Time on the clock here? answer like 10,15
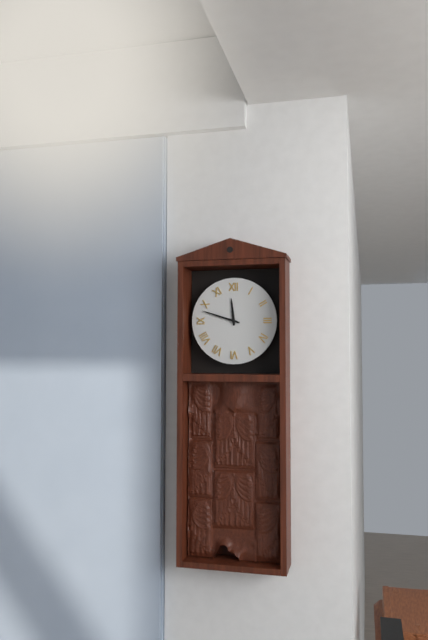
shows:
11,48
